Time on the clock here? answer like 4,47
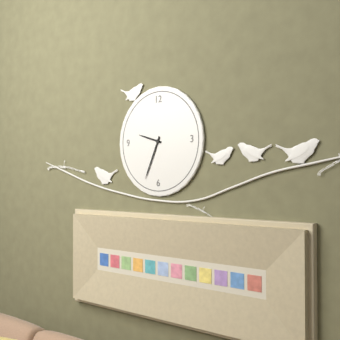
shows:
9,34
